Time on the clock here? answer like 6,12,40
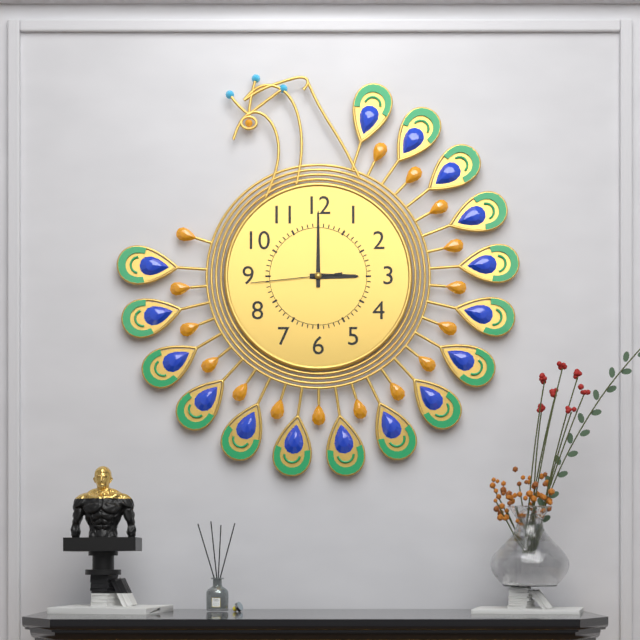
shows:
3,00,44
